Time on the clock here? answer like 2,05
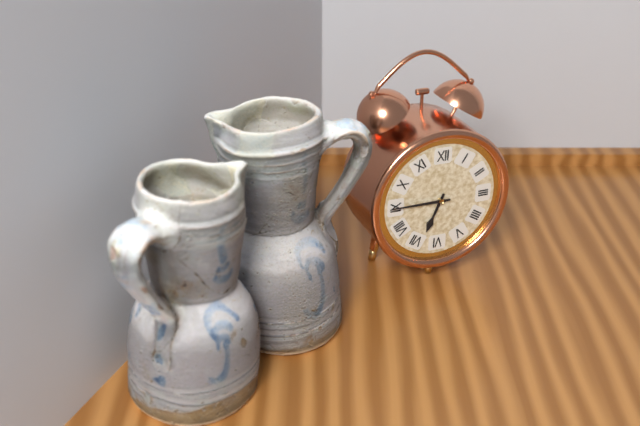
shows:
6,45
